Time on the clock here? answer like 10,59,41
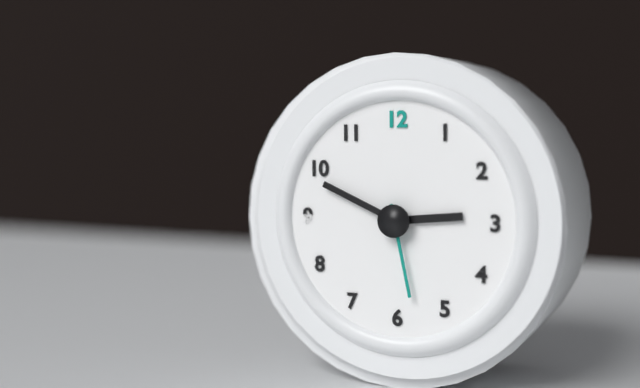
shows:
2,49,28
